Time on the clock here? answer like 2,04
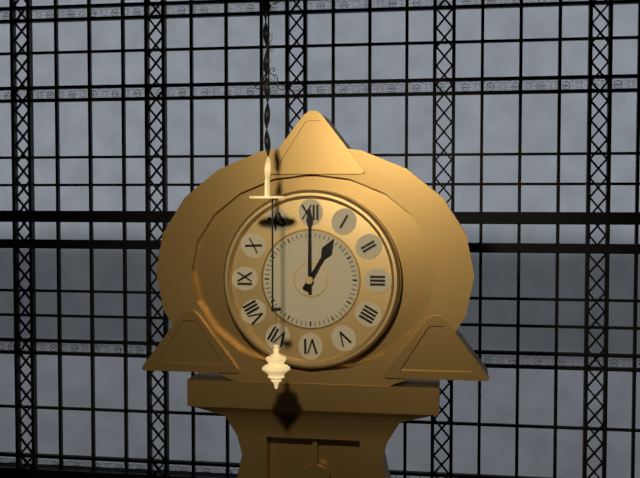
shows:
1,00
